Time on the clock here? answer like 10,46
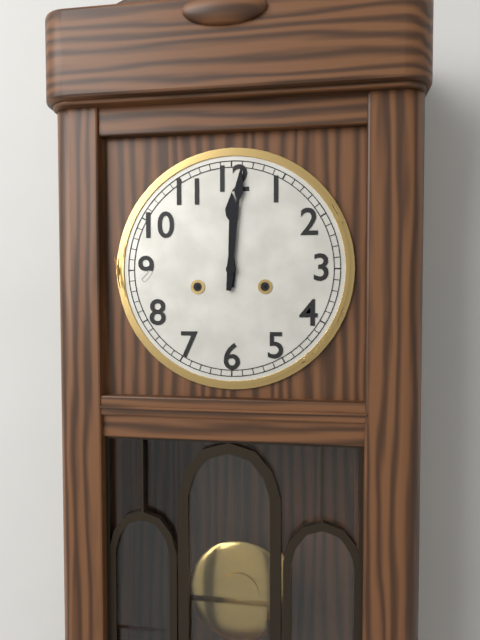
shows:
12,01
